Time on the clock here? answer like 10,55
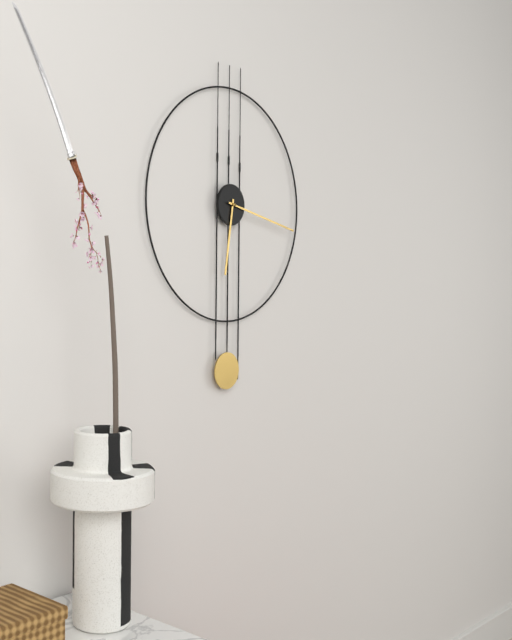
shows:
6,17
